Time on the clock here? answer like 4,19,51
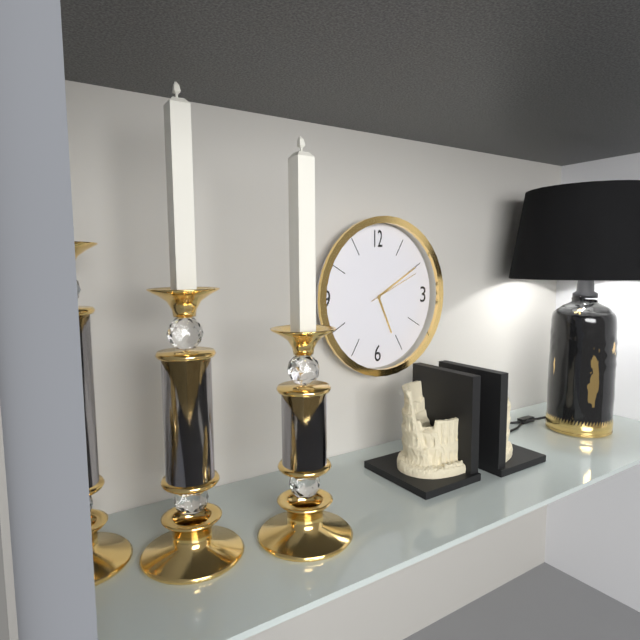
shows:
5,10,11
